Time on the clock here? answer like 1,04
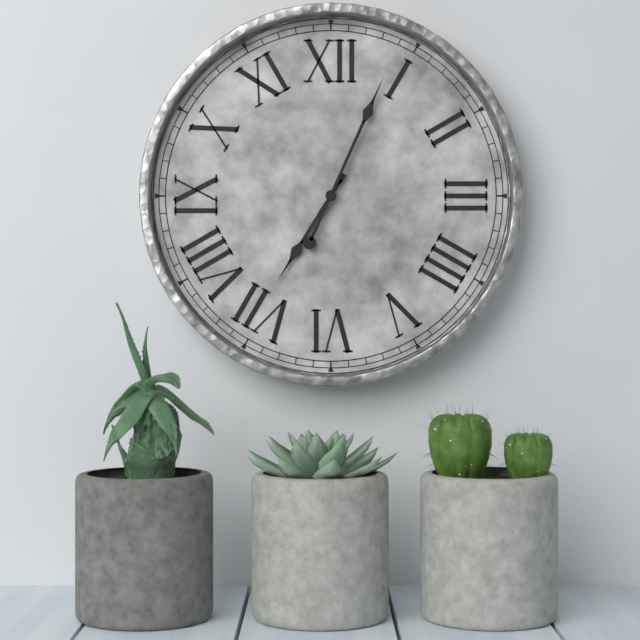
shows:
7,04
